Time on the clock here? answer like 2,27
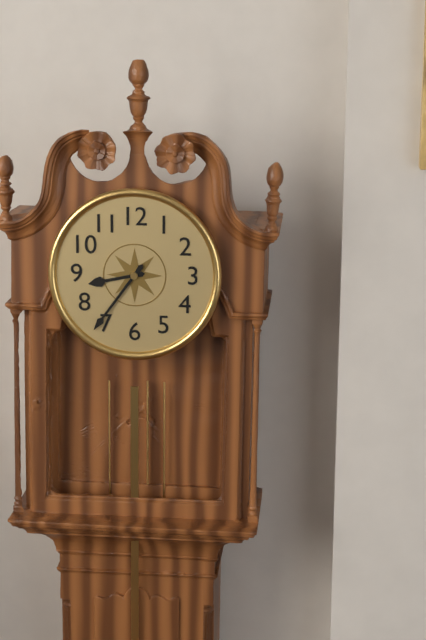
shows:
8,36
